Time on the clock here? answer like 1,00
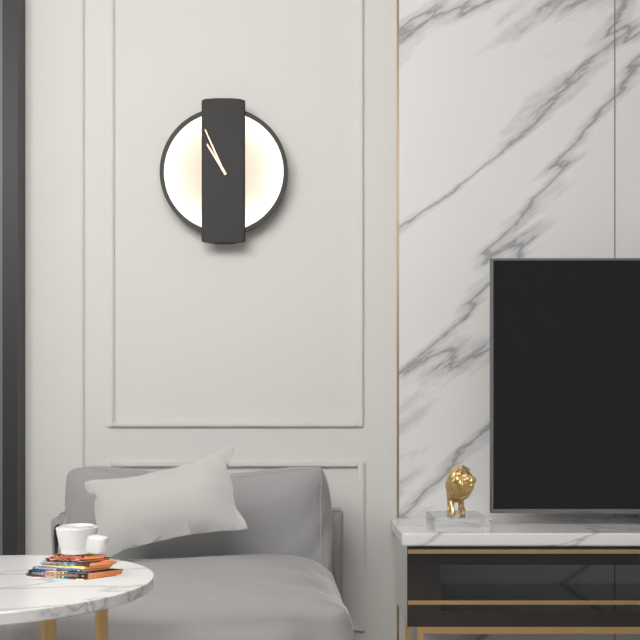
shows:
10,56
